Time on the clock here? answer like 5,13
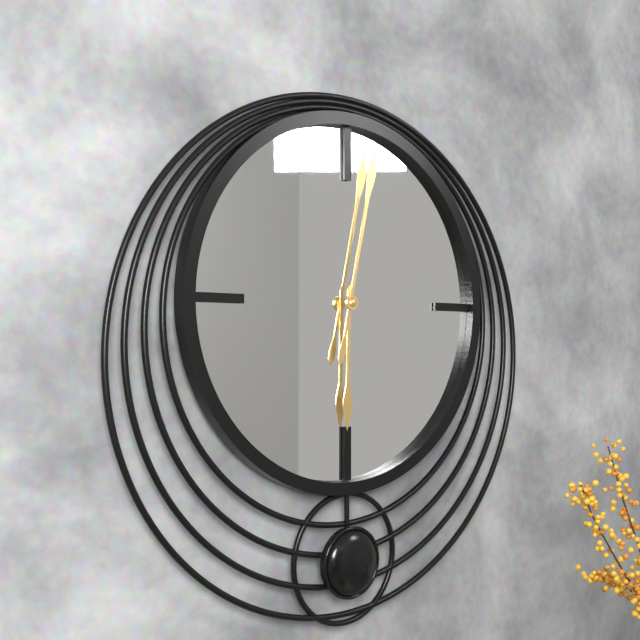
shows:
6,02
